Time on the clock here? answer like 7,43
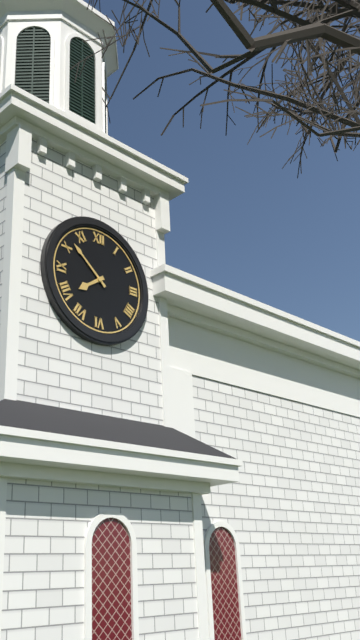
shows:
7,52
